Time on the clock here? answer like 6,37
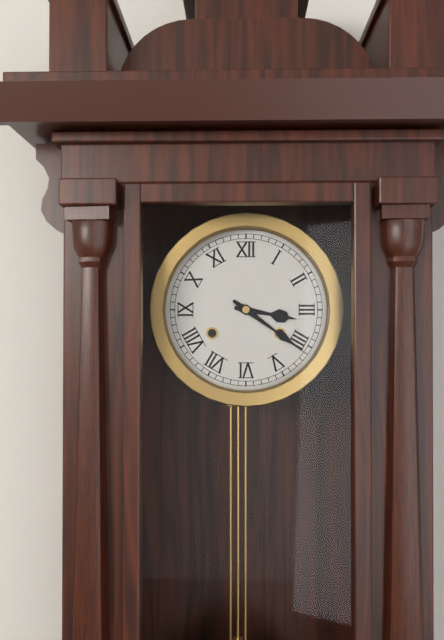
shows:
3,21
